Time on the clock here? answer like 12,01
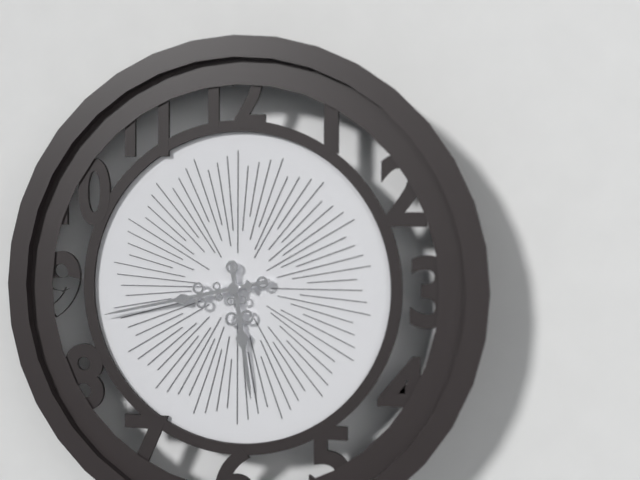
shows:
5,43
